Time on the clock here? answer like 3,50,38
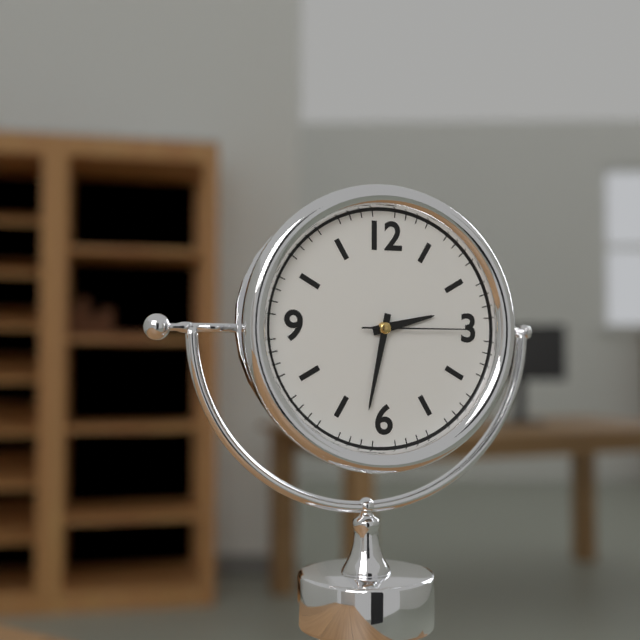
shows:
2,32,15
